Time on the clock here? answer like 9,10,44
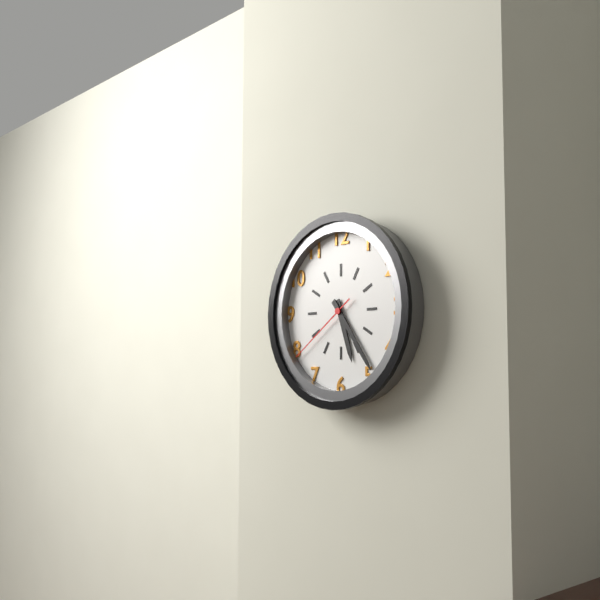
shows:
5,24,39
